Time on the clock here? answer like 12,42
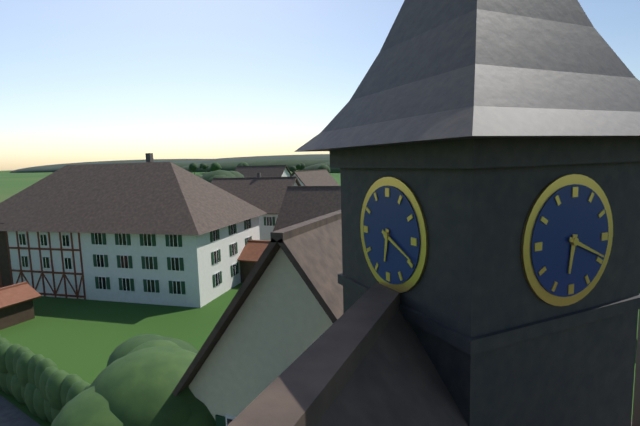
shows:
6,19
